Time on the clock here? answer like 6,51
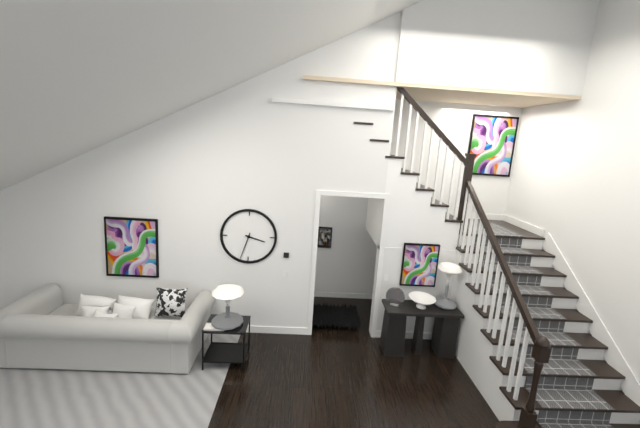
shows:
3,33
